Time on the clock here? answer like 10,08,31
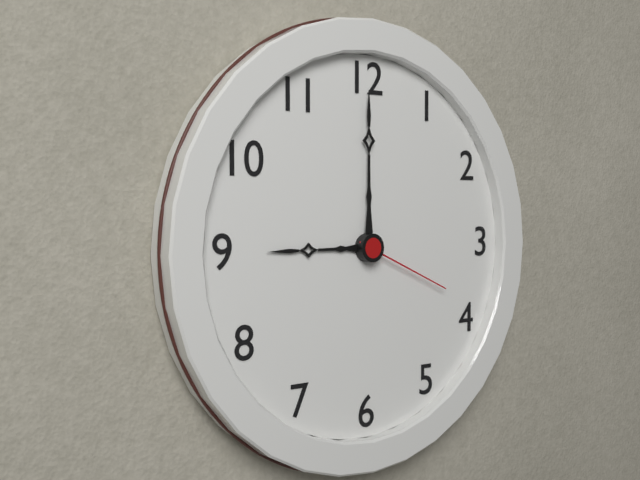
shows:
9,00,19
